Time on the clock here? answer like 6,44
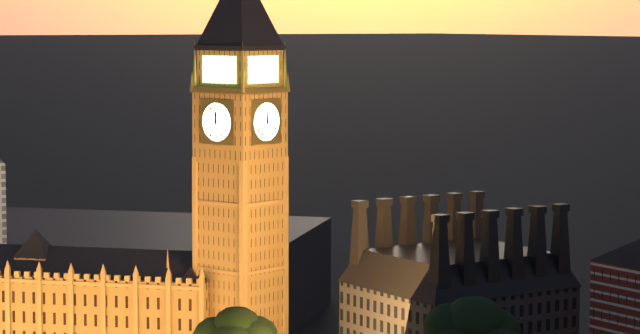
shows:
11,59
